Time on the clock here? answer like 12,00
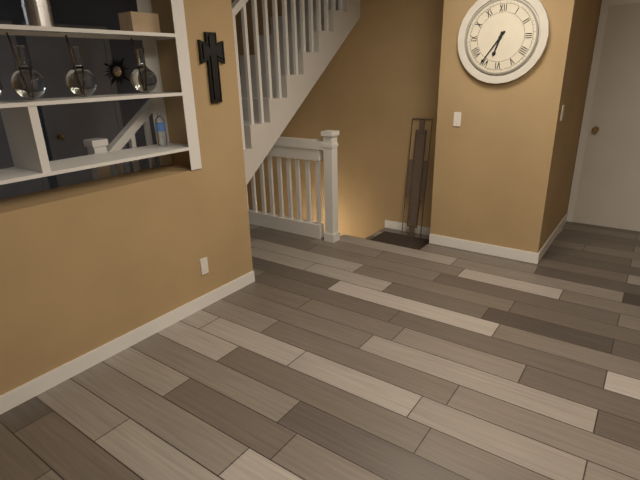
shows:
6,36
